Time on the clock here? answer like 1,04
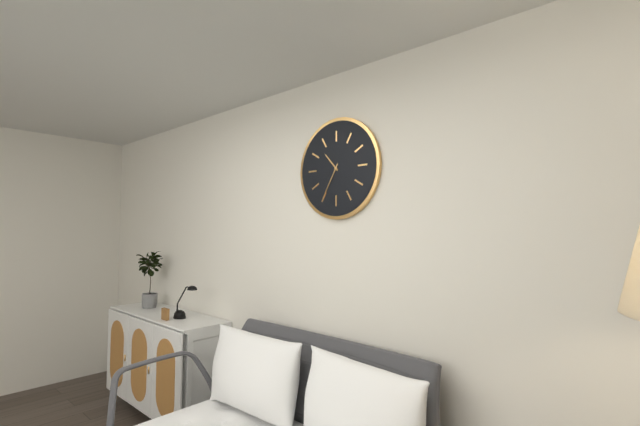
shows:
10,35
